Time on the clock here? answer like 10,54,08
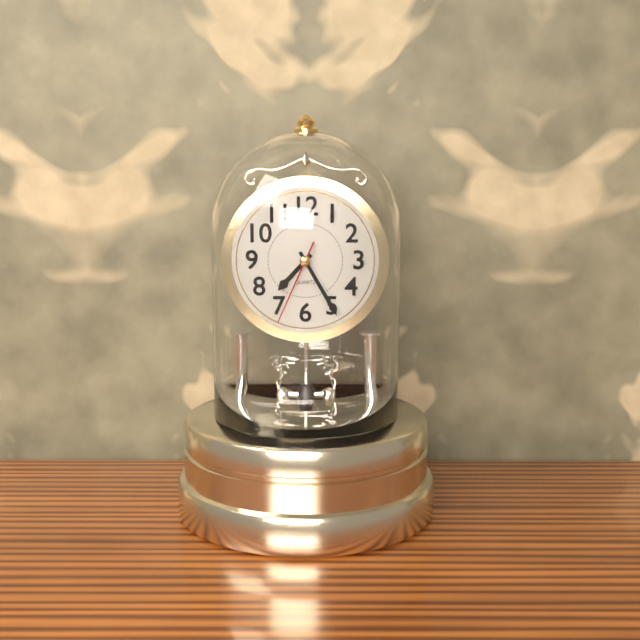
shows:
7,25,34
